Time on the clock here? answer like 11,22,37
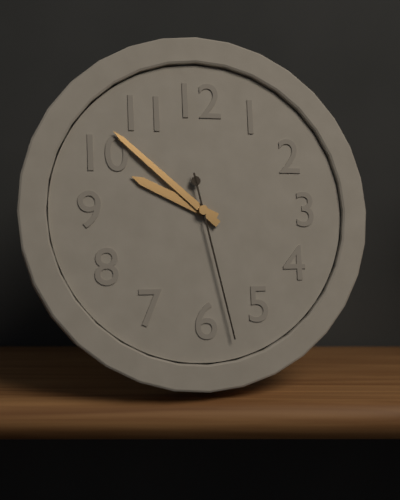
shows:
9,52,28
